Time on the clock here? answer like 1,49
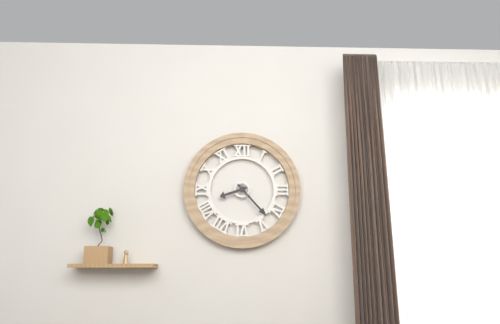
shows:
8,23
